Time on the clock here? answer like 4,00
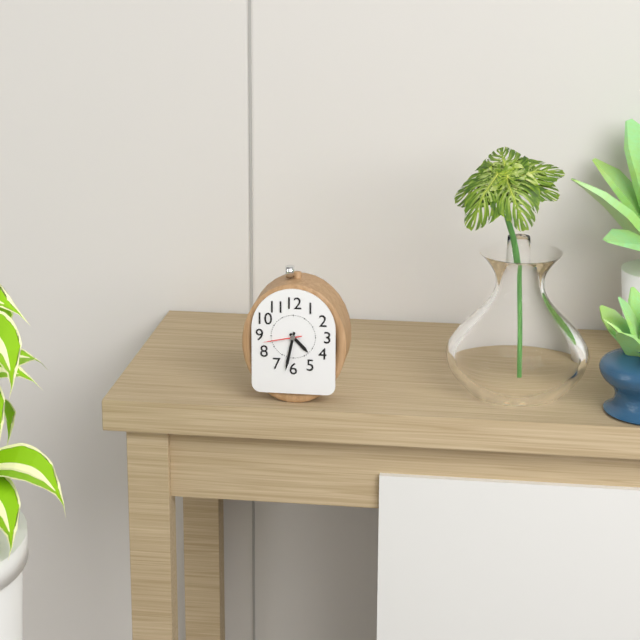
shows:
4,32
